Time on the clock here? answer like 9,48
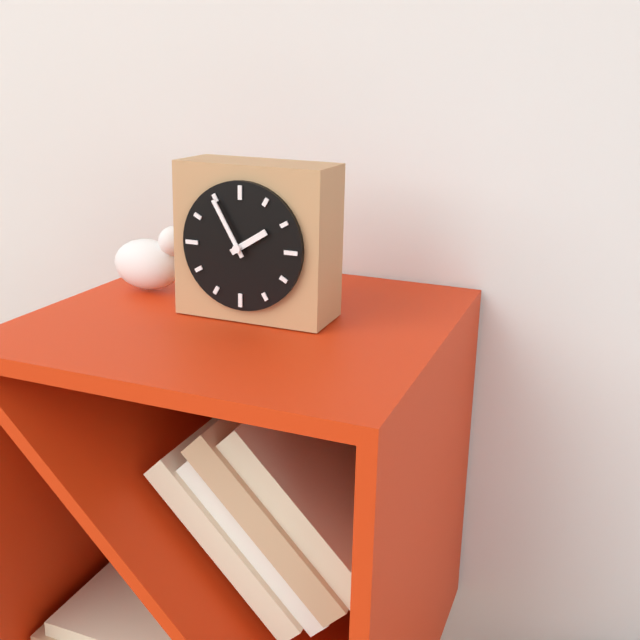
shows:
1,55
